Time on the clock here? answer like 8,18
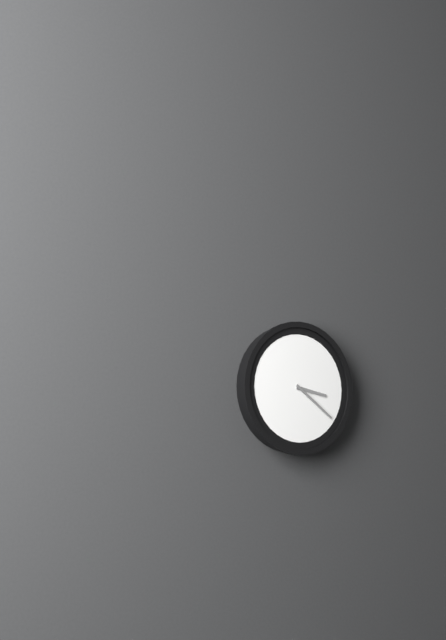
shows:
3,21
